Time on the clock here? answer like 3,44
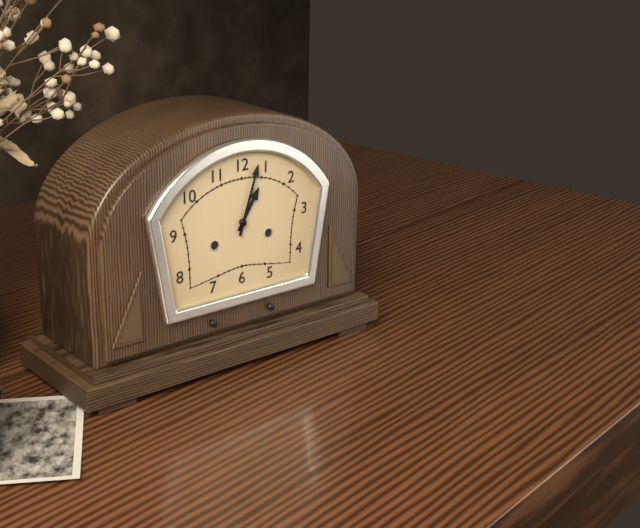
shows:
1,03
